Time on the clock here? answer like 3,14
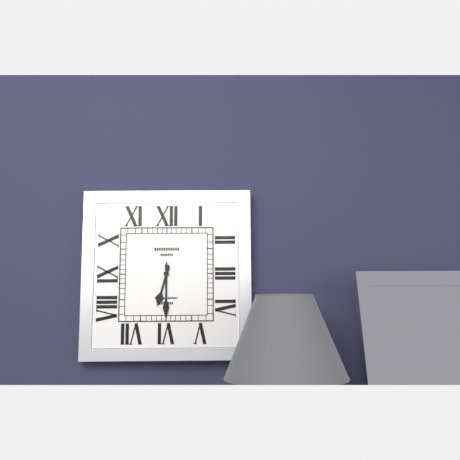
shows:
6,30
